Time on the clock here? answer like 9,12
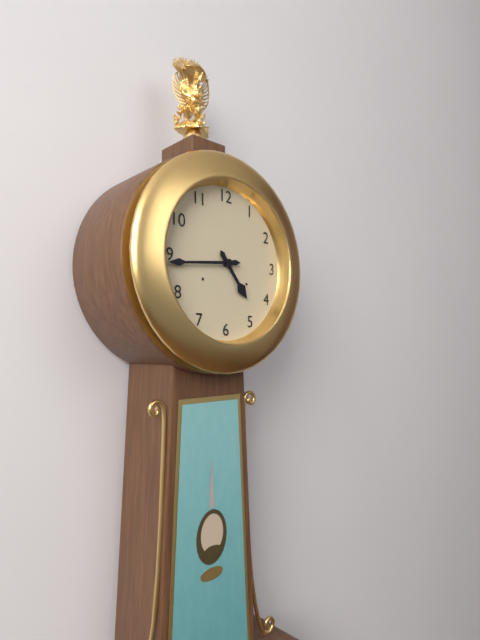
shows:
4,44
